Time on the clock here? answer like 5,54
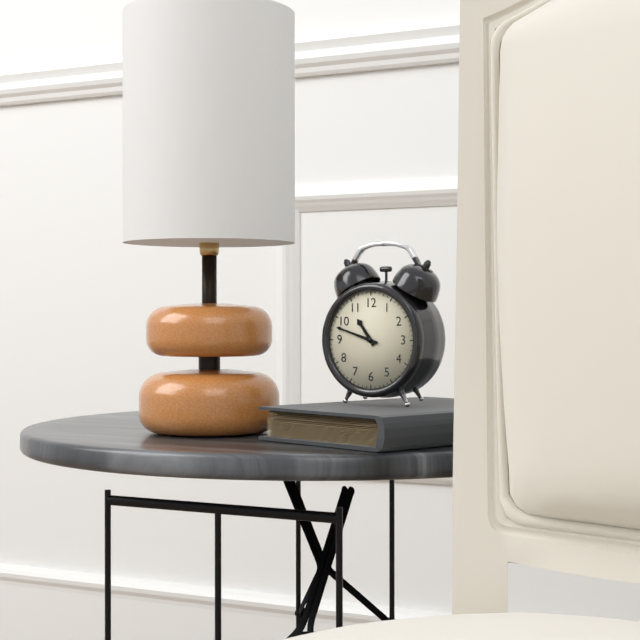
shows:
10,48
